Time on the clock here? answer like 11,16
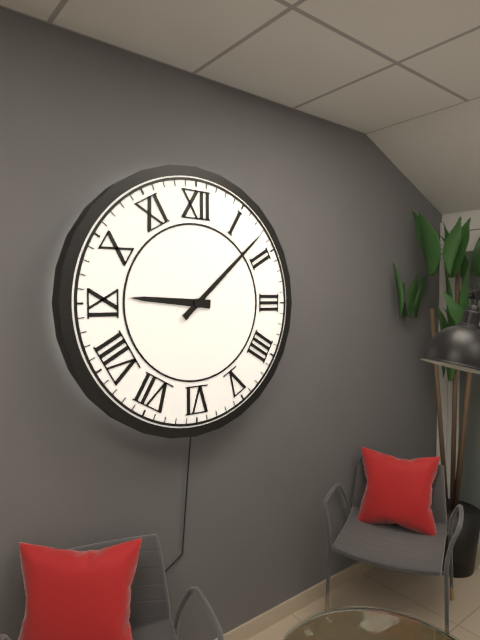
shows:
9,08
